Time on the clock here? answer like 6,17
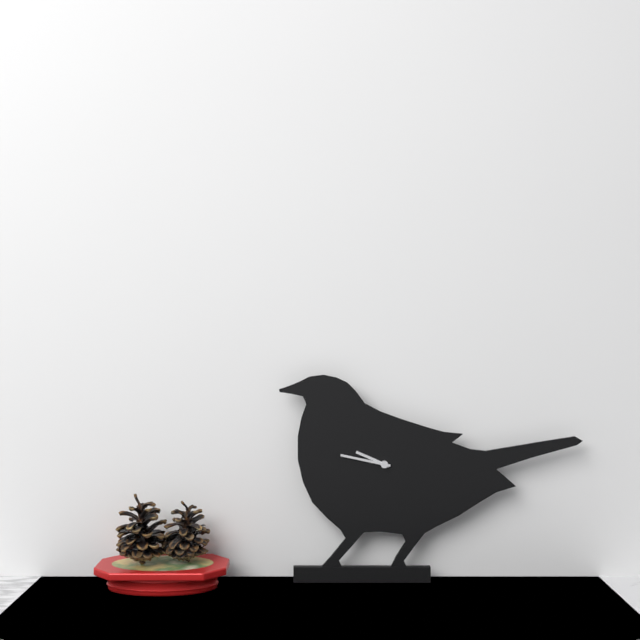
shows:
9,47
